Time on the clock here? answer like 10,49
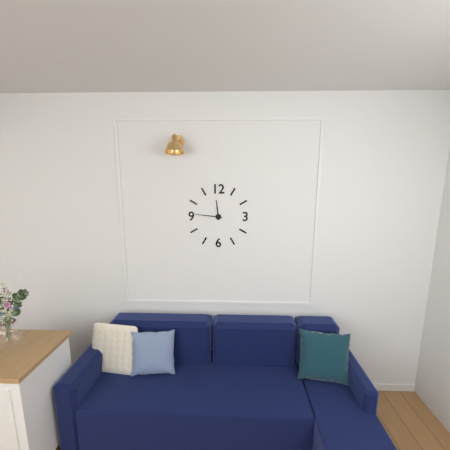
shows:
11,46
